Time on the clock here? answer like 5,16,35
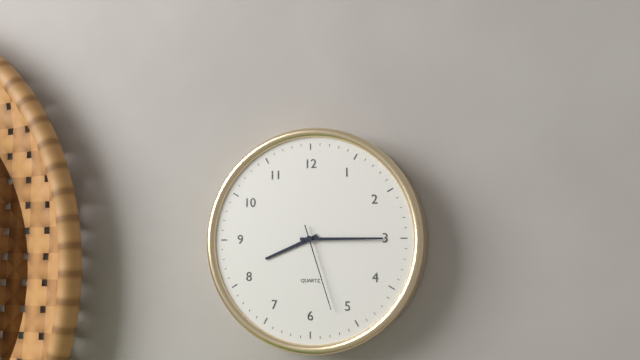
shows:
8,15,27
